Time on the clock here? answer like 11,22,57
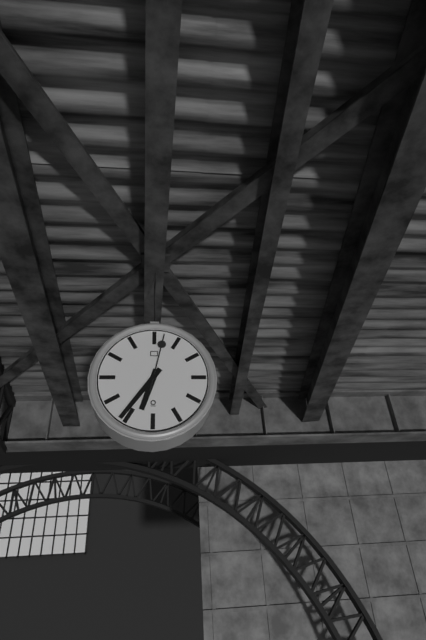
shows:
6,36,02
